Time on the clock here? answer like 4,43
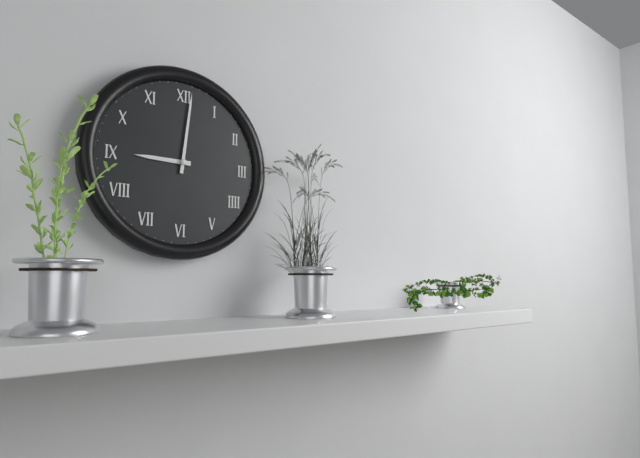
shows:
9,01
